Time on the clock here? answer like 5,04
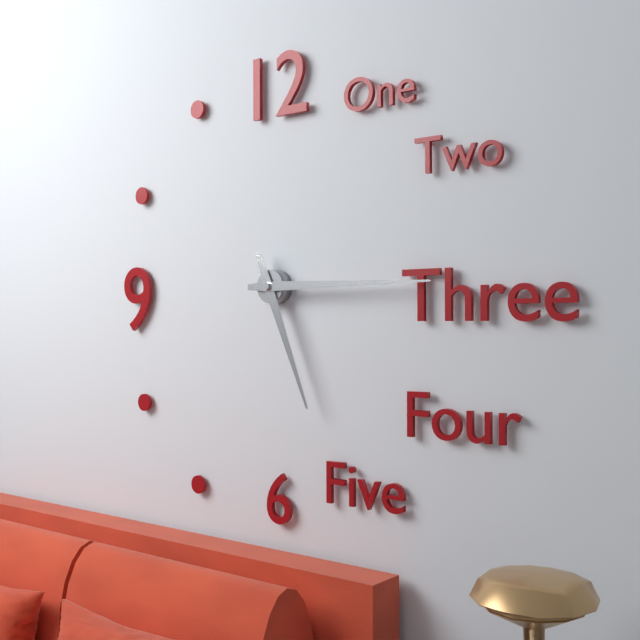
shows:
5,15
